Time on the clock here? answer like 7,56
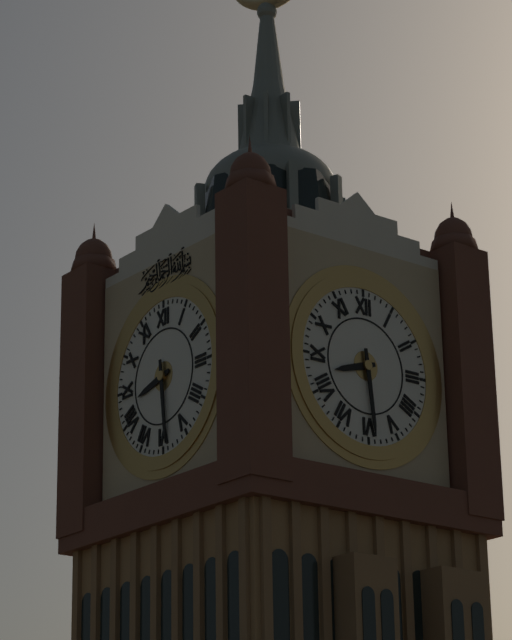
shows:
8,29
